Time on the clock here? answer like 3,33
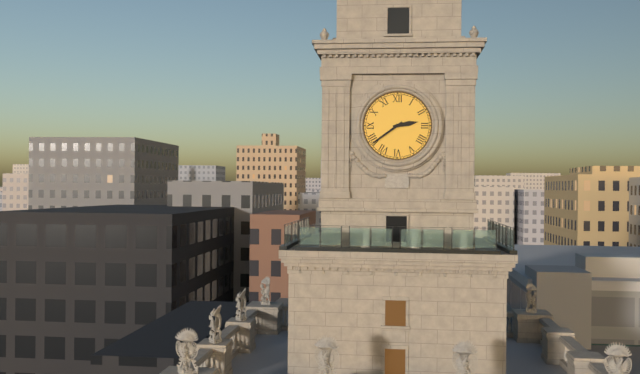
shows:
2,39
